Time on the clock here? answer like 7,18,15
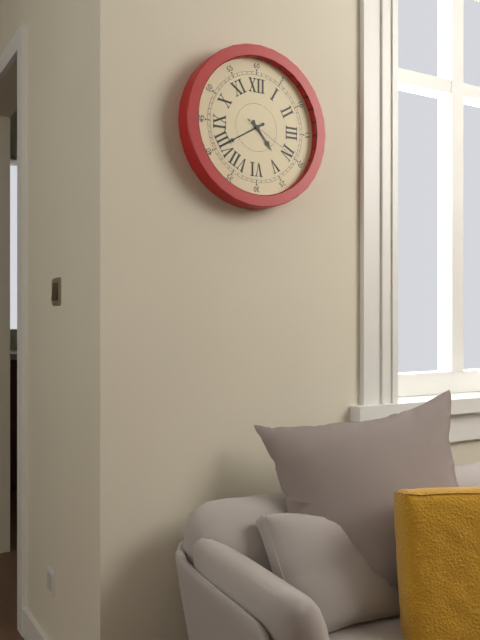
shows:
4,40,20
